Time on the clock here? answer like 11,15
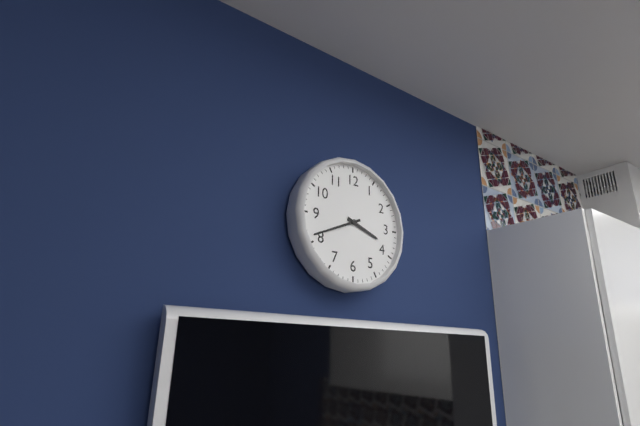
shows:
3,41
